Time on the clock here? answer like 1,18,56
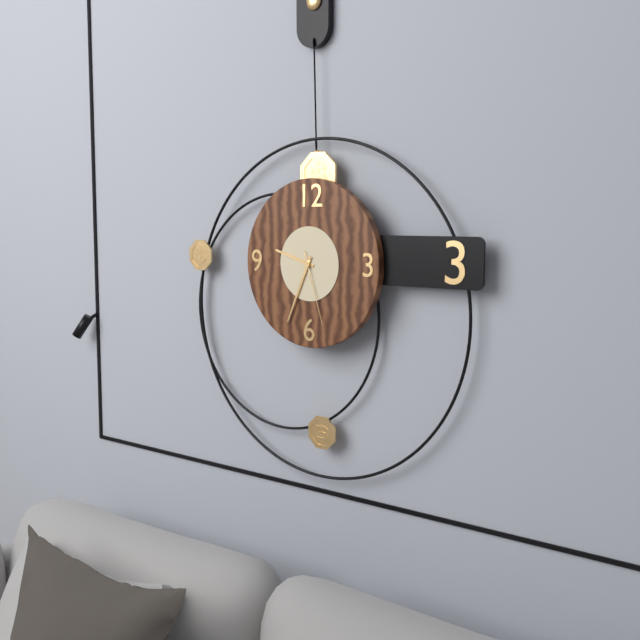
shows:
9,34,27
